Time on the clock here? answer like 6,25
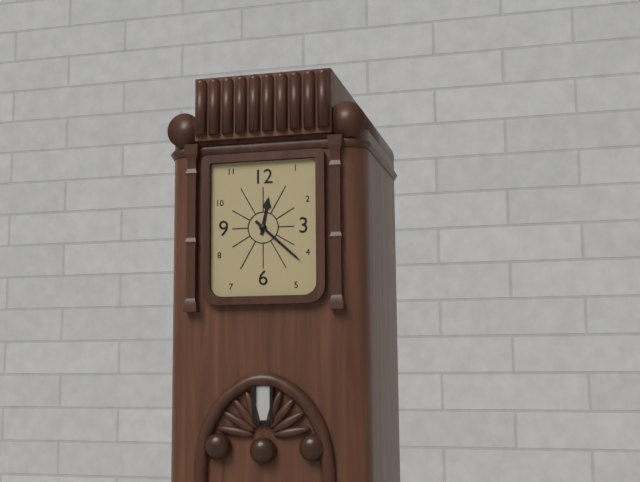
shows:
12,22
